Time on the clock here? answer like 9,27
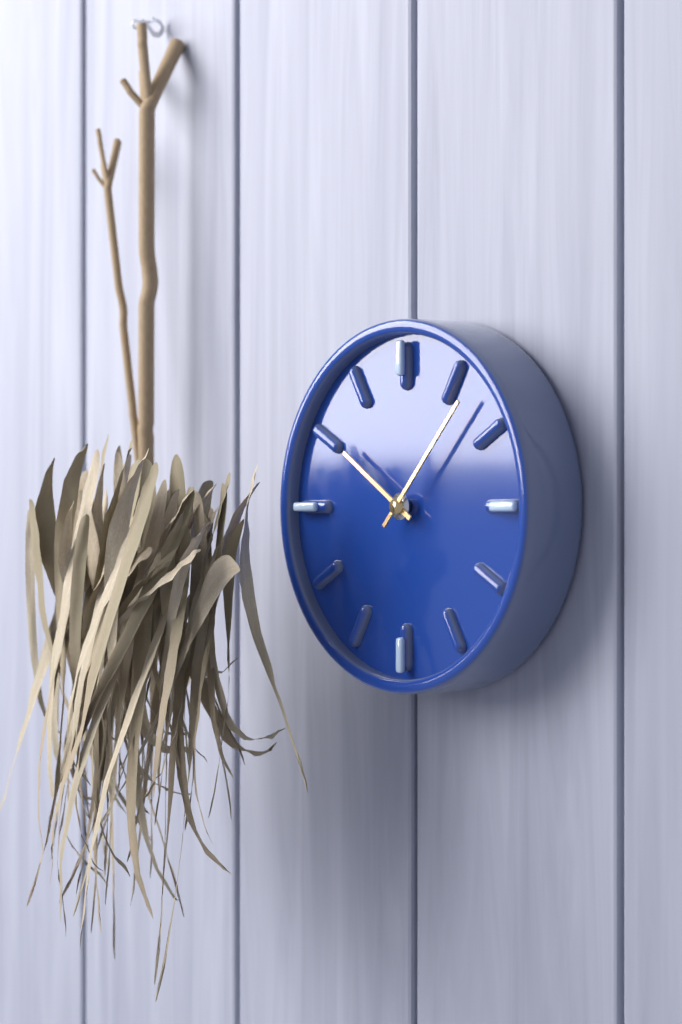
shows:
10,07
